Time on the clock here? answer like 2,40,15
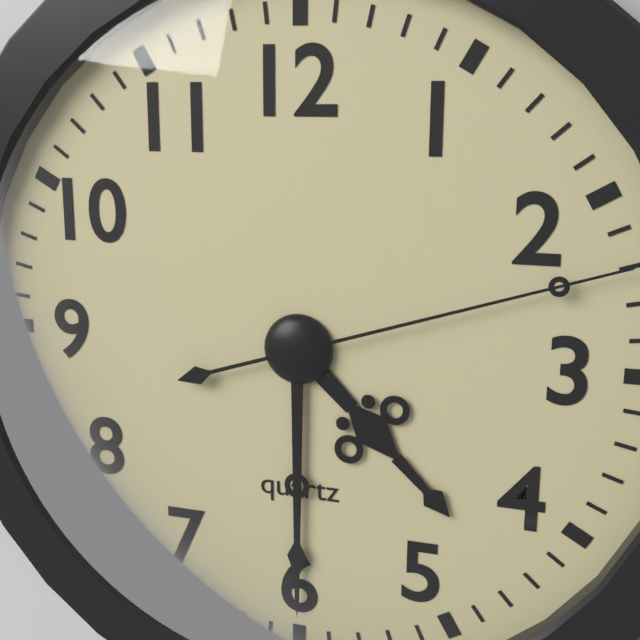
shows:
4,30,12
